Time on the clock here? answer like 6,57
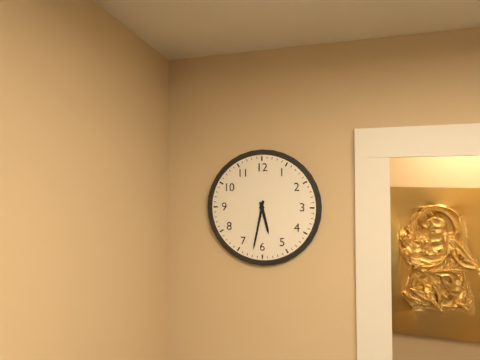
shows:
5,32
